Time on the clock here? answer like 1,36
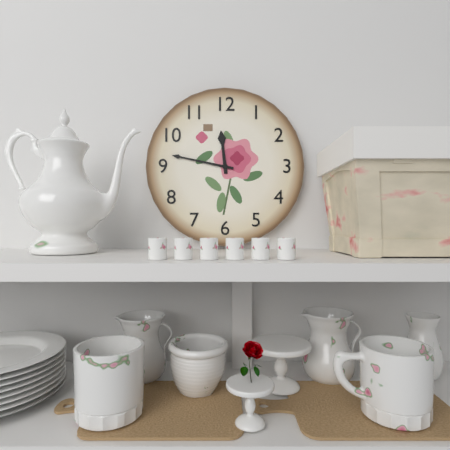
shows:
11,47
